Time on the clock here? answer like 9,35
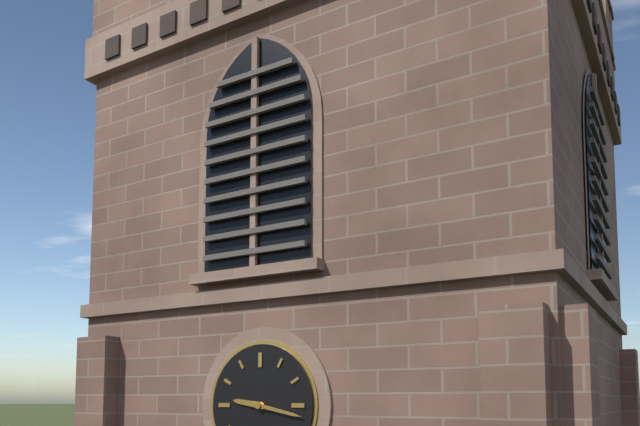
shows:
9,17
